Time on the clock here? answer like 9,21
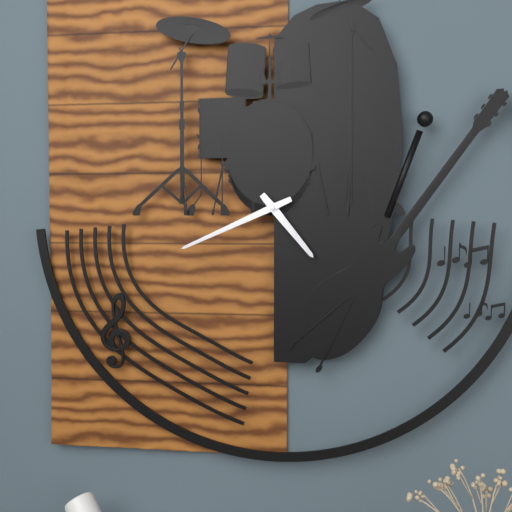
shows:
4,41
